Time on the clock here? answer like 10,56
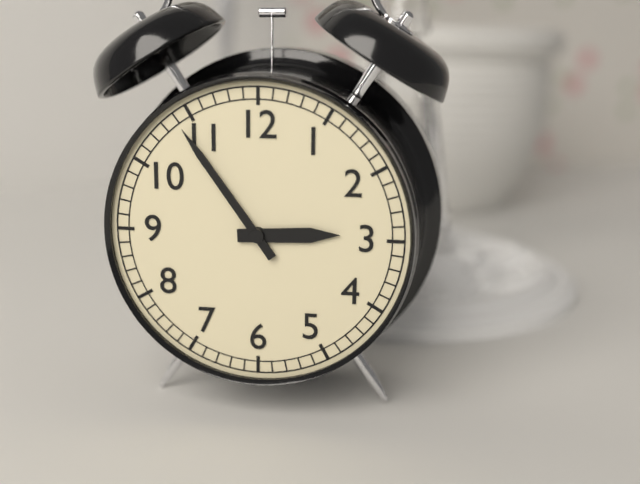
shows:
2,54
